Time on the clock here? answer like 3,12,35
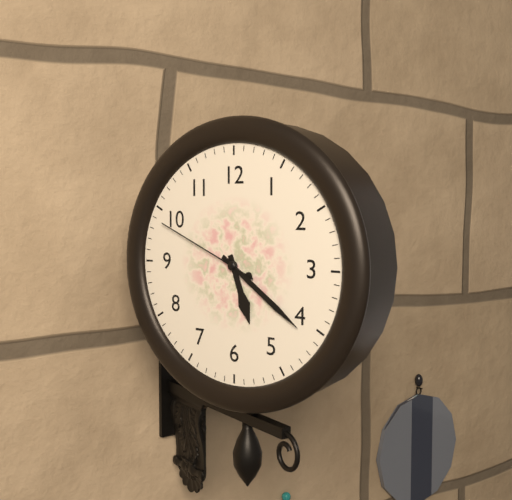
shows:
5,21,49
